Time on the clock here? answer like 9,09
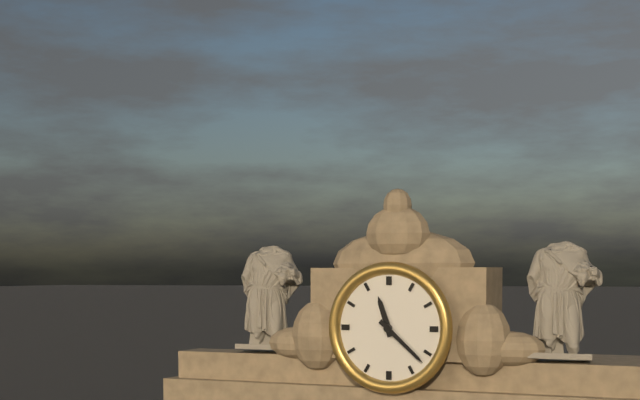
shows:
11,22
